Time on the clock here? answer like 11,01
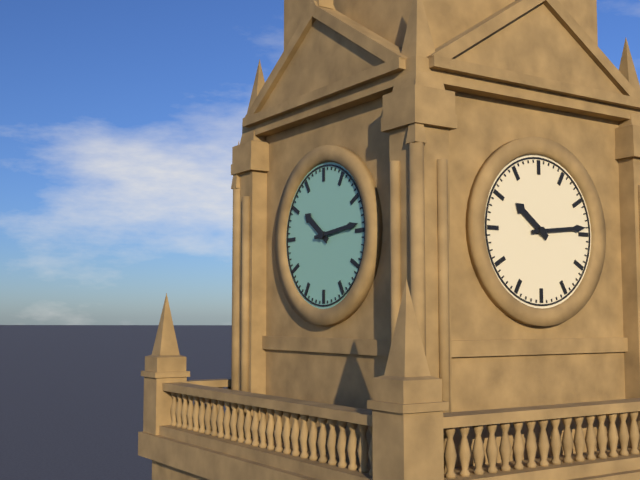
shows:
10,14
